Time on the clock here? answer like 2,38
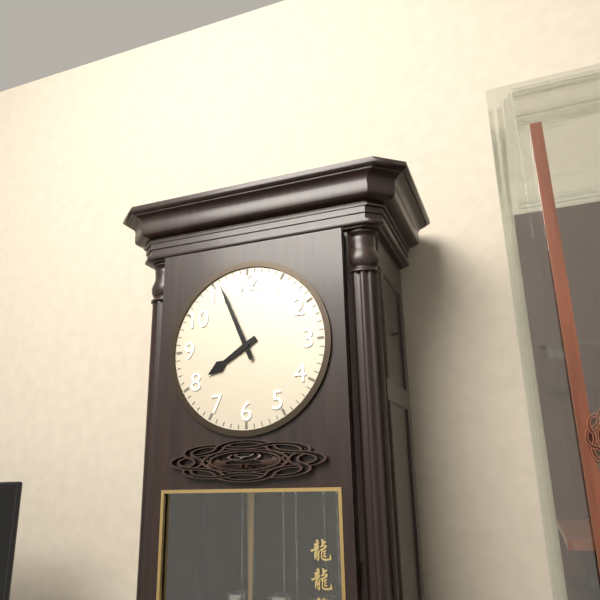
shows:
7,56
